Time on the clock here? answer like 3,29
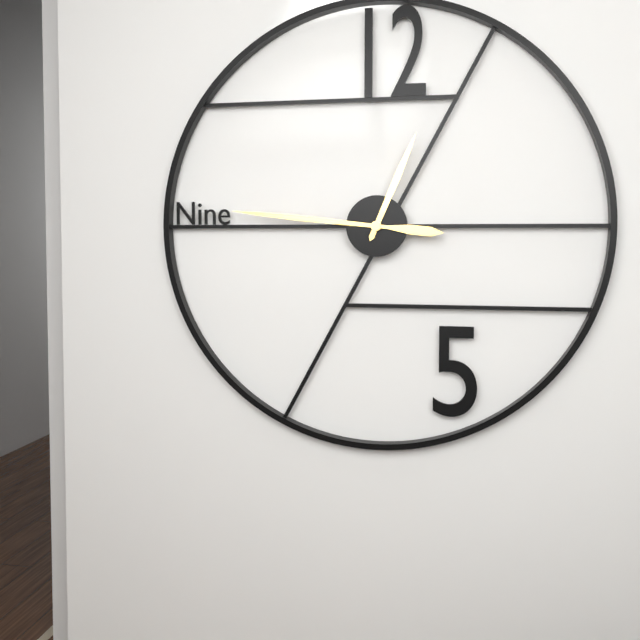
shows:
12,46
